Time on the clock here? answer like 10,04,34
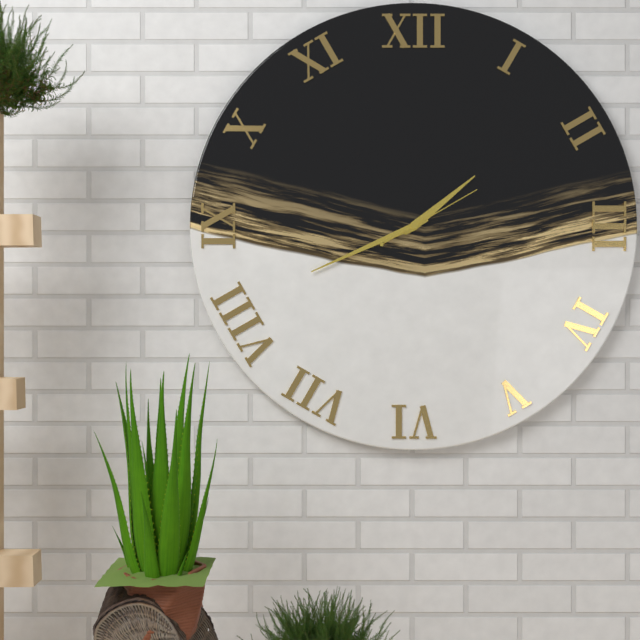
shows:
1,41,10
